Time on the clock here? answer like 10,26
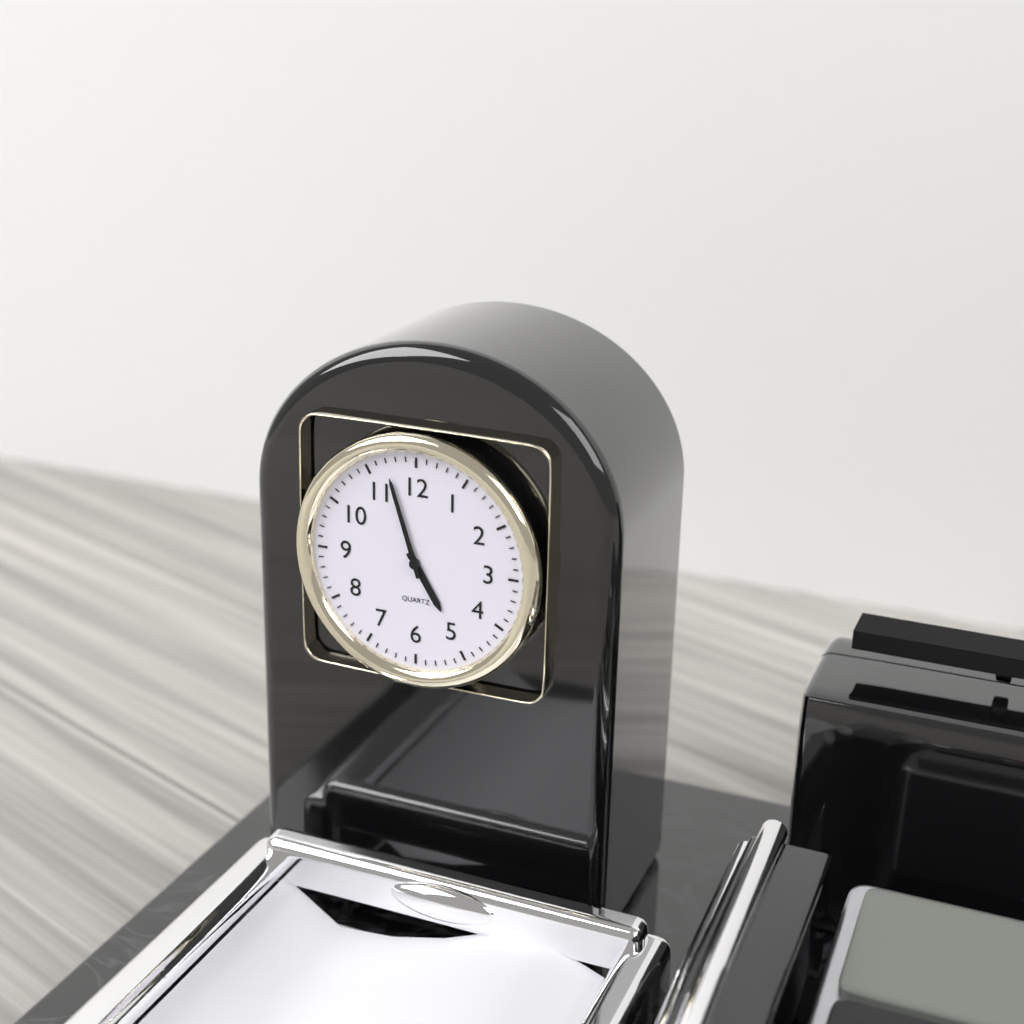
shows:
4,57
